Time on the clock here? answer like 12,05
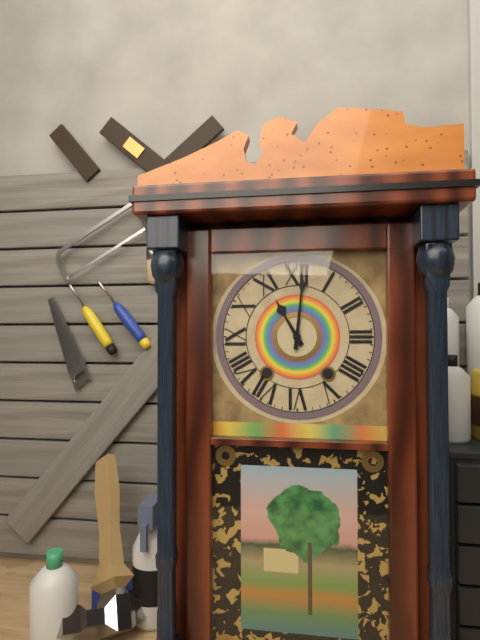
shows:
11,01
